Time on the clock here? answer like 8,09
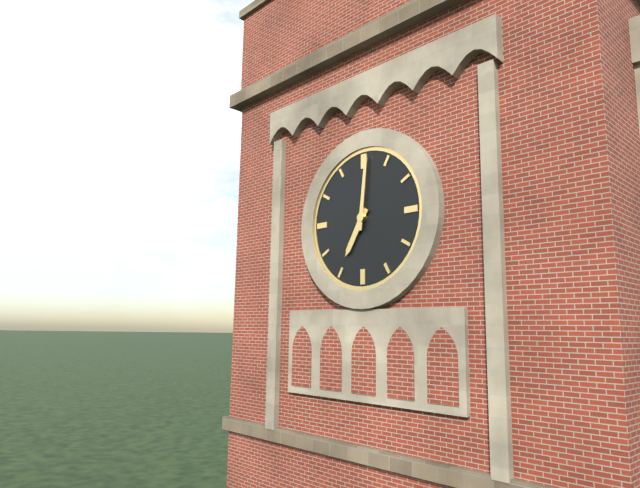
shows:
7,01
